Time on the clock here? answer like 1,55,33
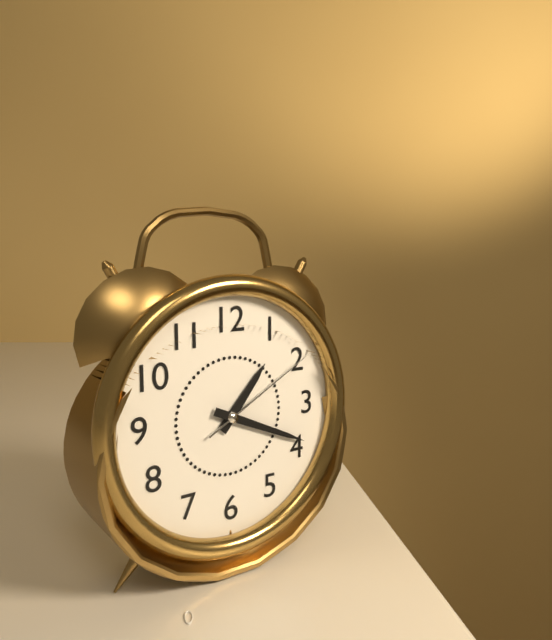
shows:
1,19,10
